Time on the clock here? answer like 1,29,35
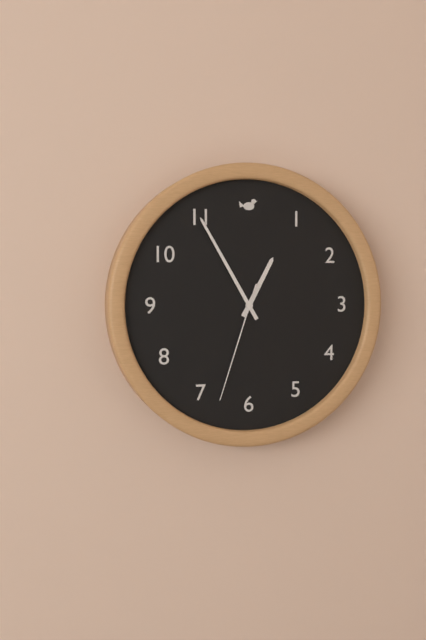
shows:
12,55,33
